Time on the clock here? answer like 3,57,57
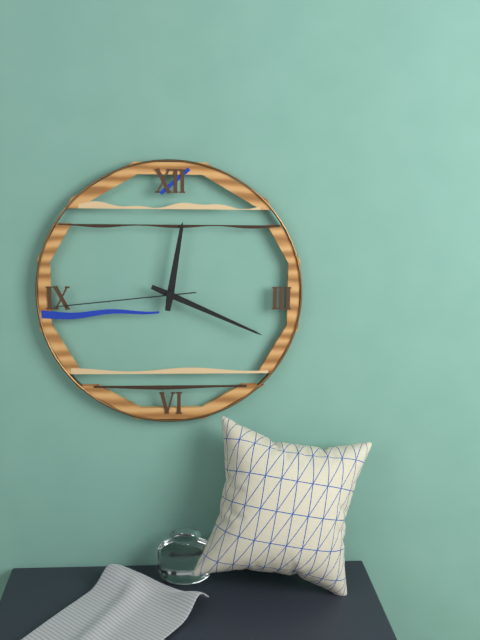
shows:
12,19,44
